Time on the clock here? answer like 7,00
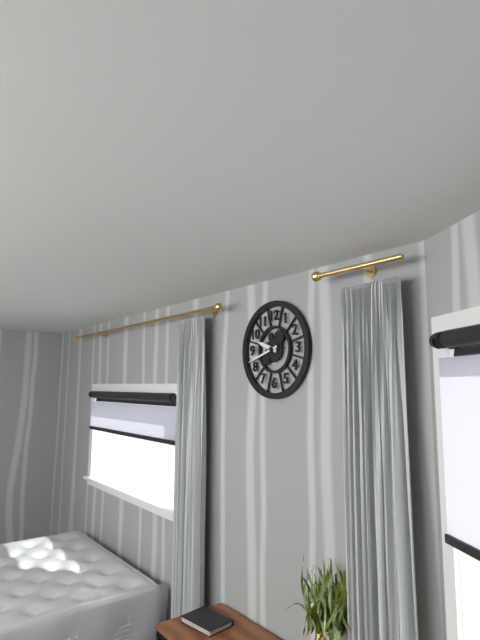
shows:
9,42
